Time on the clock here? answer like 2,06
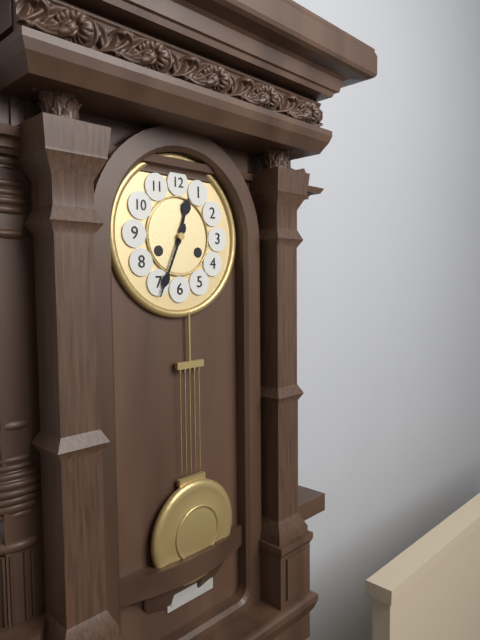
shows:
12,34
